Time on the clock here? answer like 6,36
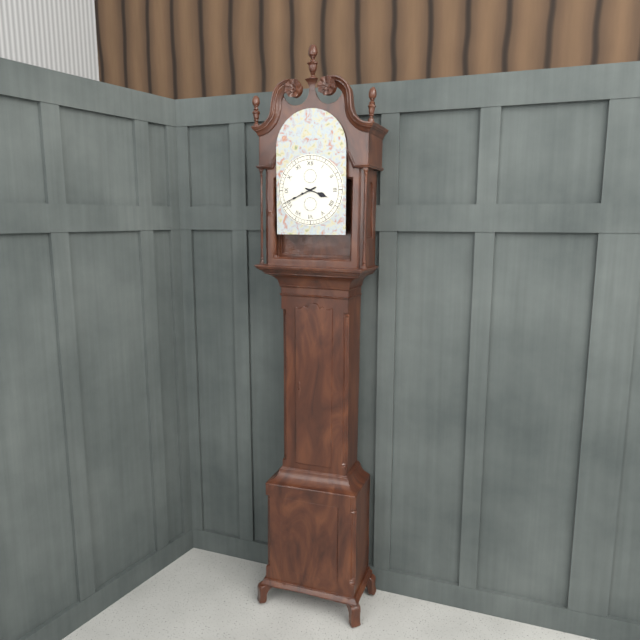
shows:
3,41
